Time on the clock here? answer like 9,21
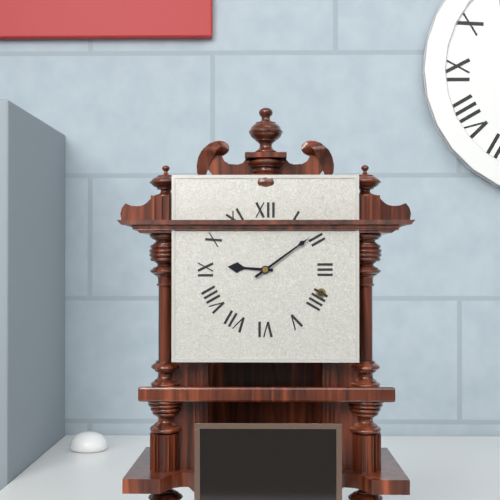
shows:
9,09
